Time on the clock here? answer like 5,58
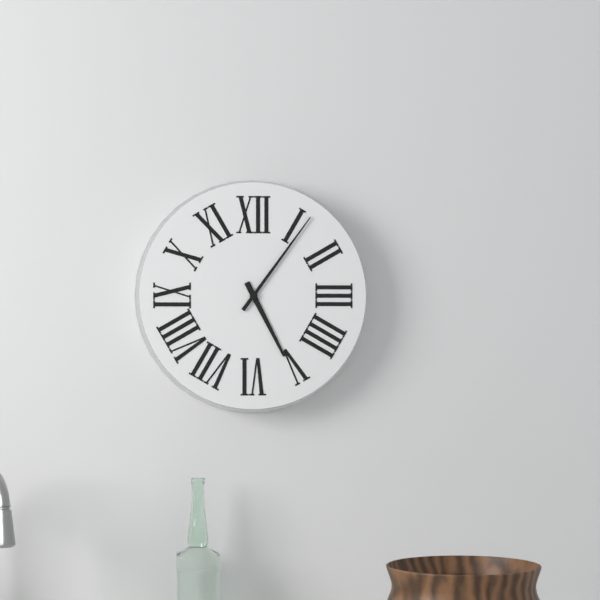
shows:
5,06
